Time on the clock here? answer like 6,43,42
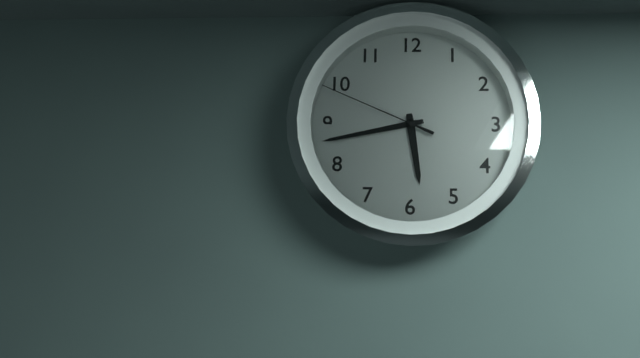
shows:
5,43,49
